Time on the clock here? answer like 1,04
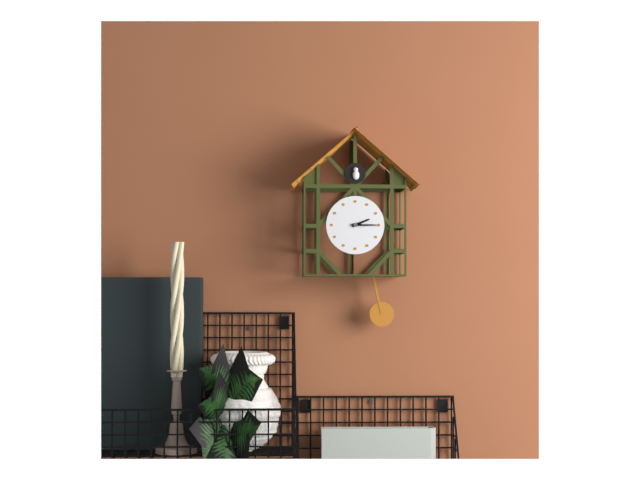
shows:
2,15
